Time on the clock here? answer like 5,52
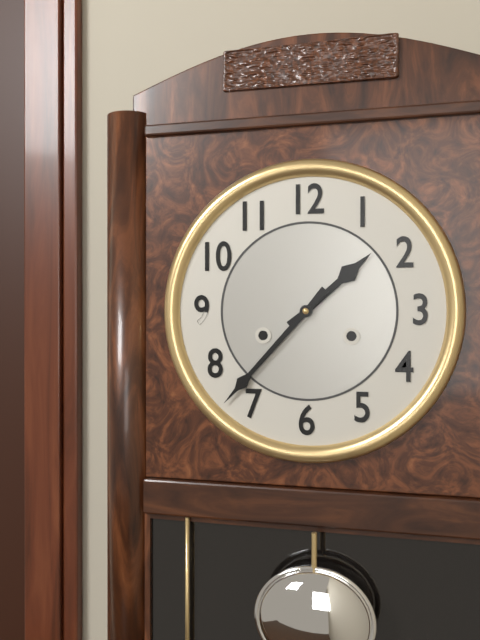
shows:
1,37
